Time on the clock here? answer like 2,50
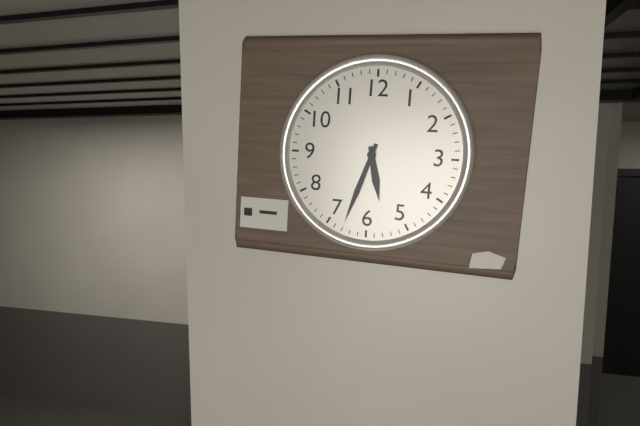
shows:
5,33
